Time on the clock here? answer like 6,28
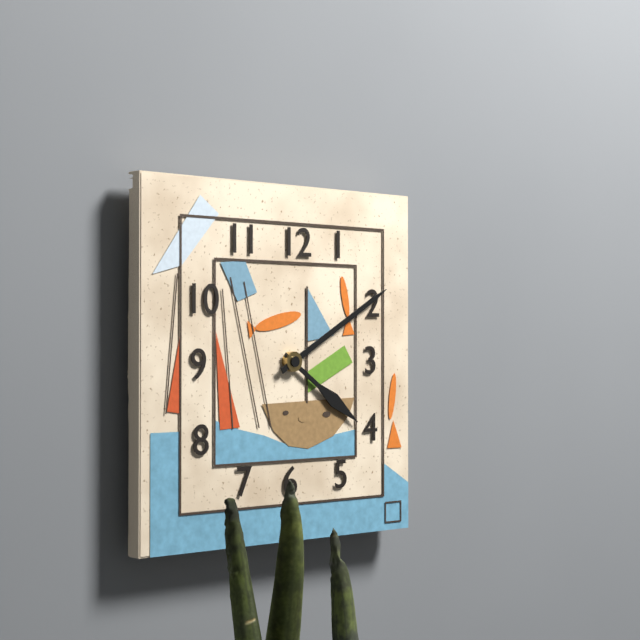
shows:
4,10
